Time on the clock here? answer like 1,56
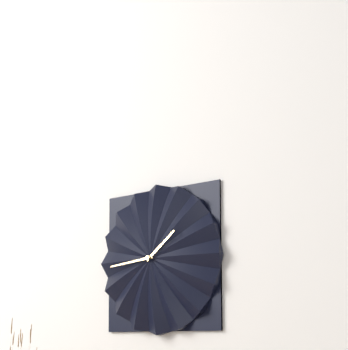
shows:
1,44
